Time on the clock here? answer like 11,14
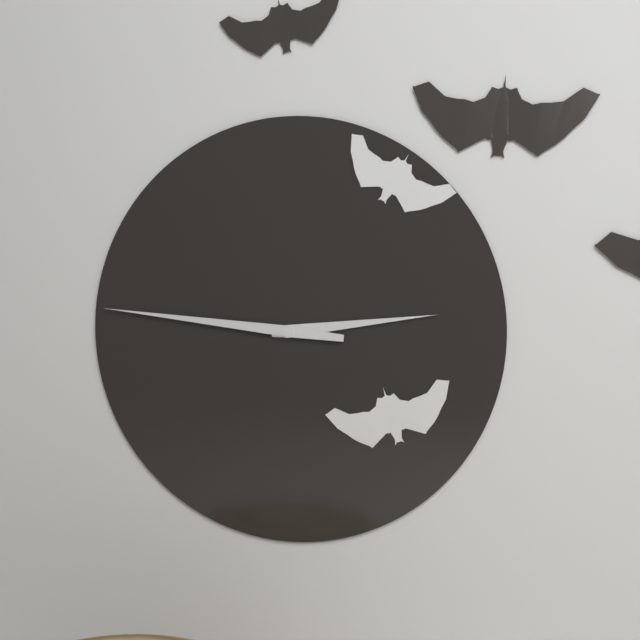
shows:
2,46
